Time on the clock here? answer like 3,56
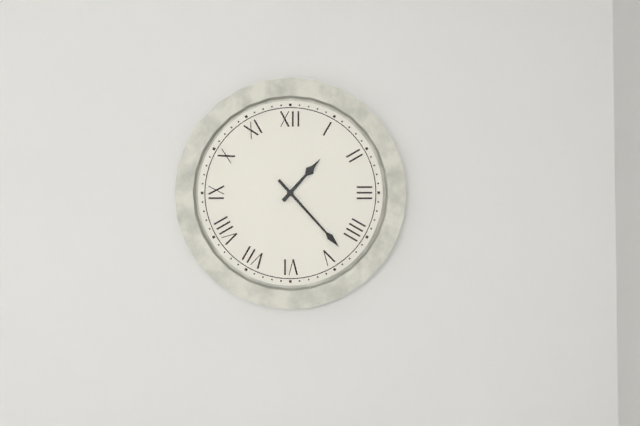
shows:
1,23
